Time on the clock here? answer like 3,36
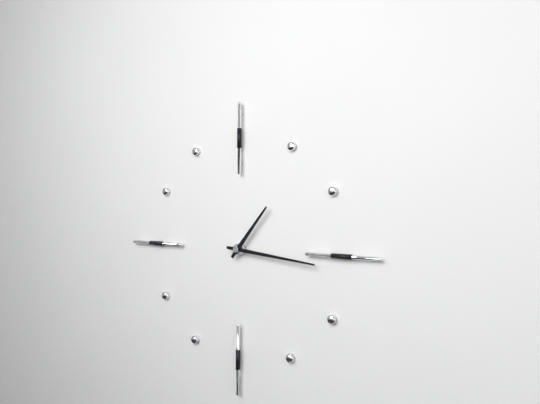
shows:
1,16
